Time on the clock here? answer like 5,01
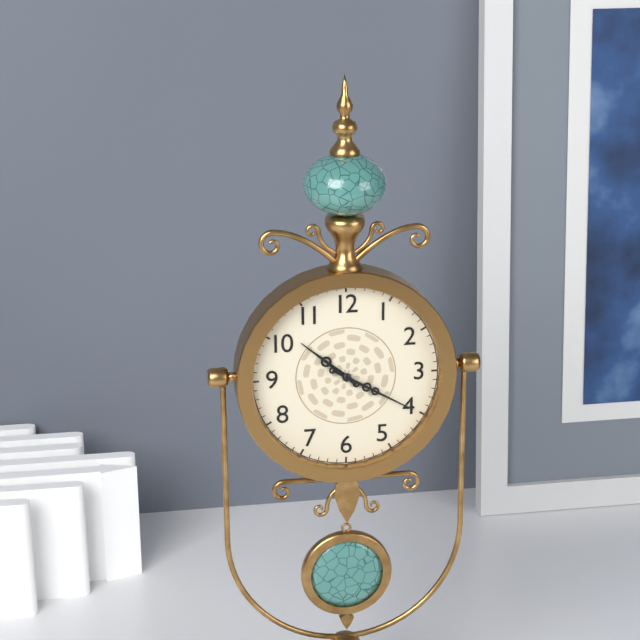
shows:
10,20
